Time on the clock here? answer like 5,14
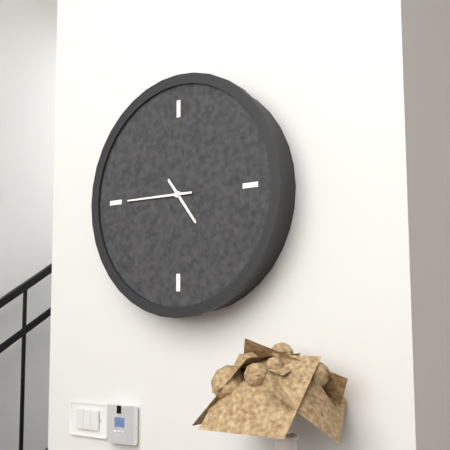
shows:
4,45
